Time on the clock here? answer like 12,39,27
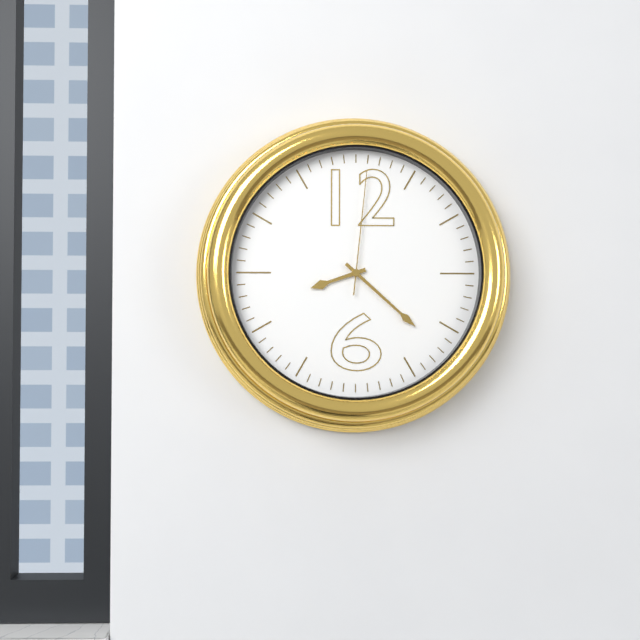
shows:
8,22,01
